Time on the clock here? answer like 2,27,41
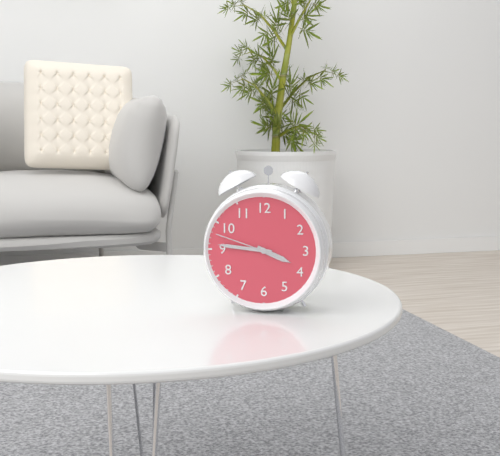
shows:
3,46,48
